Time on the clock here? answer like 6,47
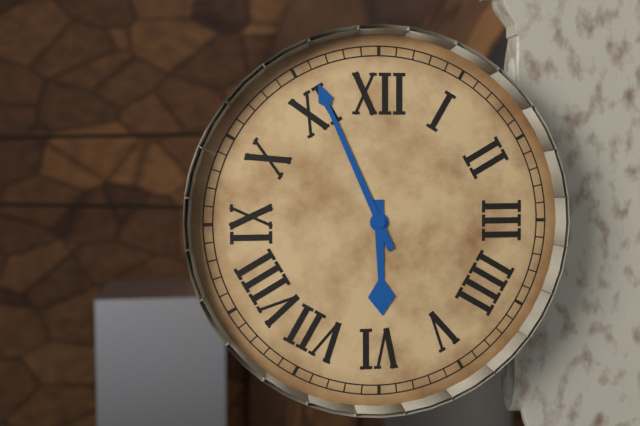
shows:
5,56
